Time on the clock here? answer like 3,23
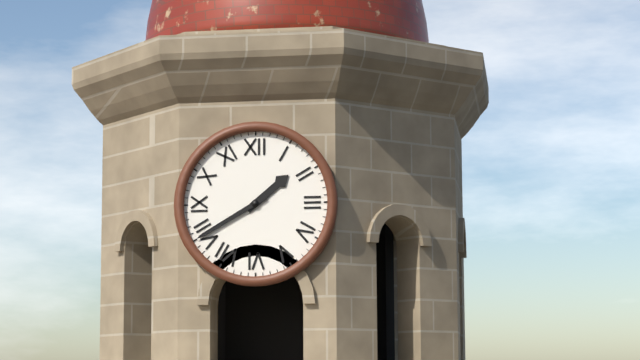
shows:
1,40
